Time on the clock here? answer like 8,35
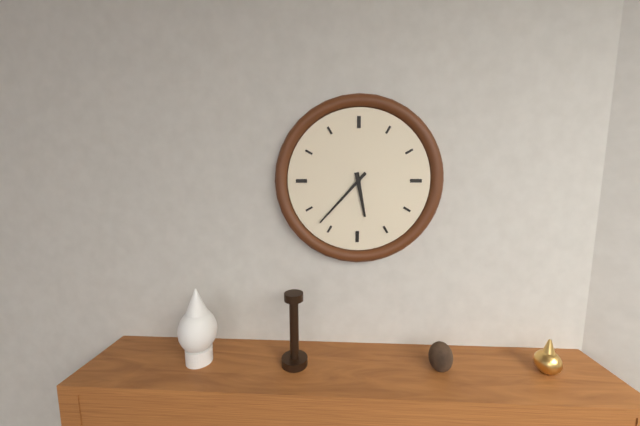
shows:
5,37
